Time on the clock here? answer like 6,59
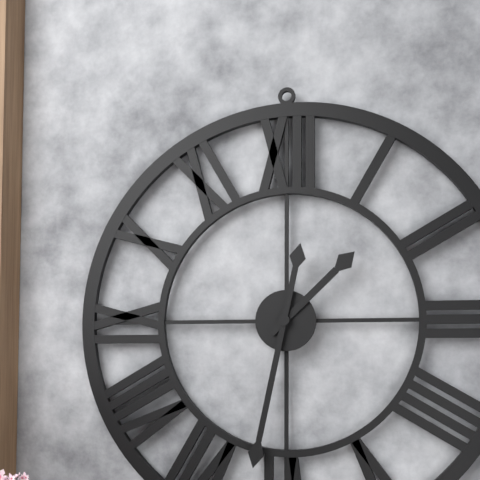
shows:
1,32
